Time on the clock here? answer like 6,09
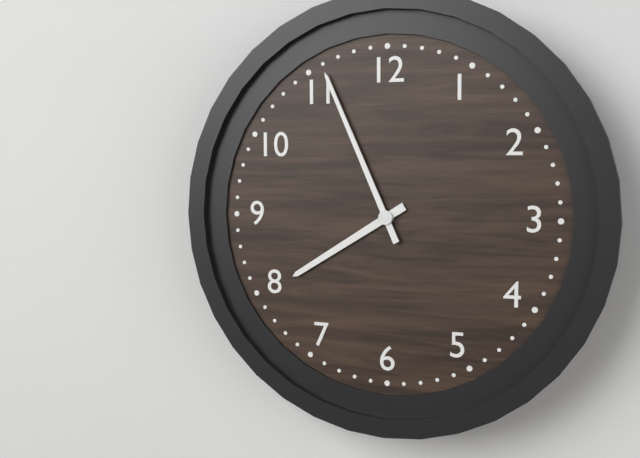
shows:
7,56
